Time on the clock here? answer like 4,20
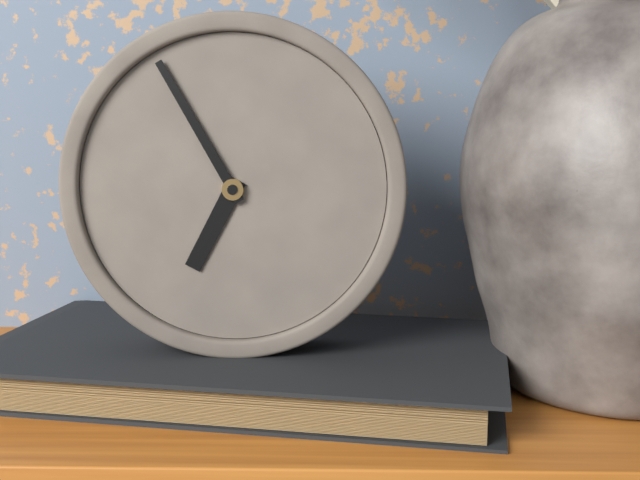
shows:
6,55
